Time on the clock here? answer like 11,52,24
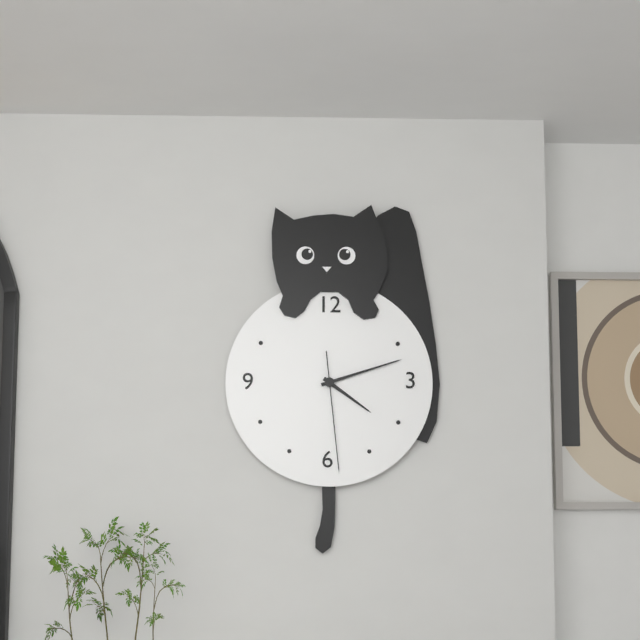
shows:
4,12,29
